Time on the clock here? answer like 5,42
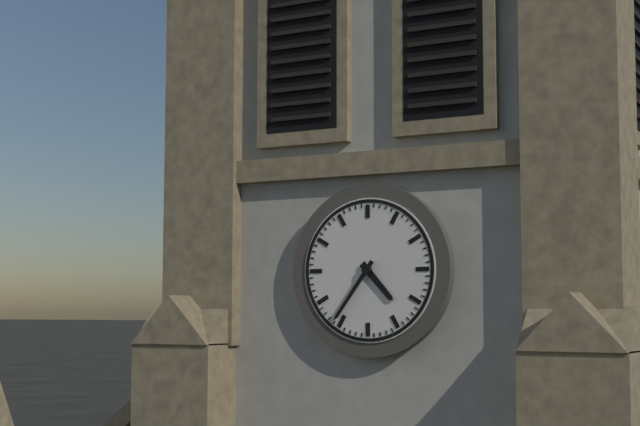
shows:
4,36
